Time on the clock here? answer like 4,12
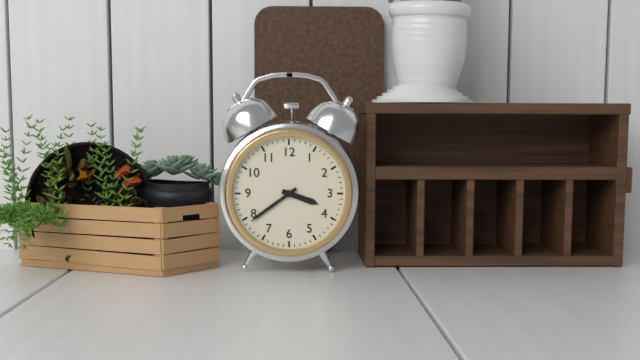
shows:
3,39
